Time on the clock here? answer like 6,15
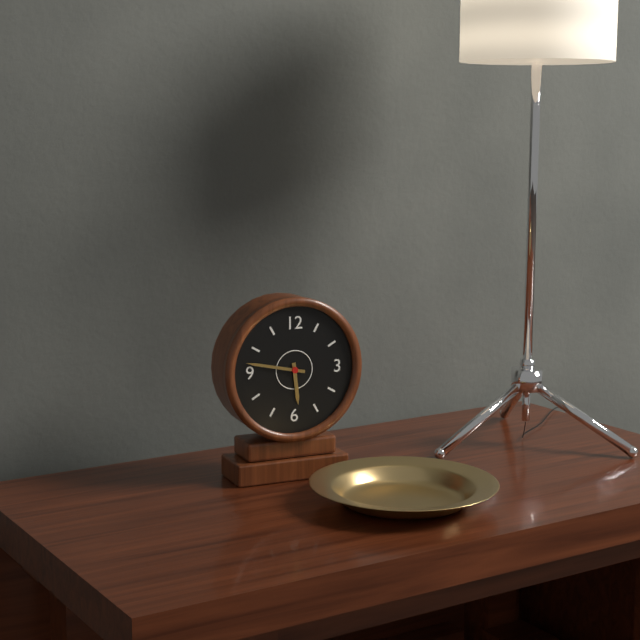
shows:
5,47
